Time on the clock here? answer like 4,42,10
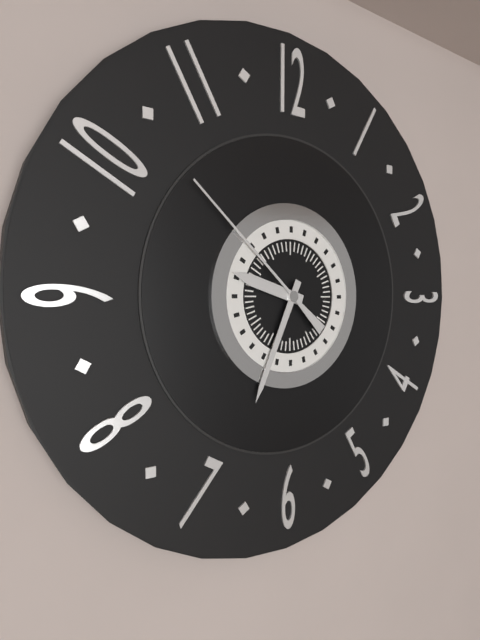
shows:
9,34,52
